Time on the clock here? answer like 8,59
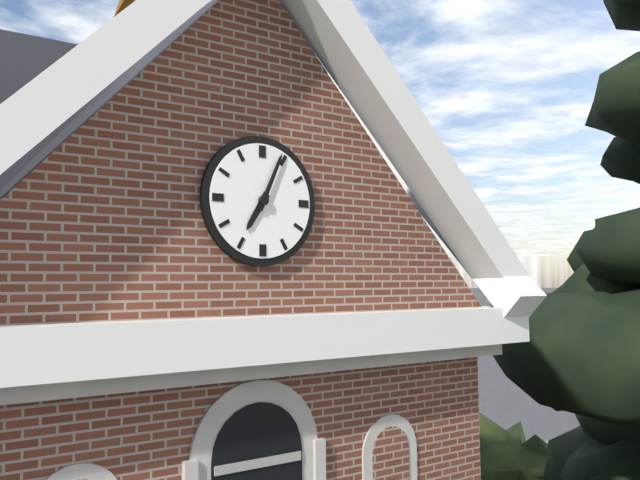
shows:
7,04
